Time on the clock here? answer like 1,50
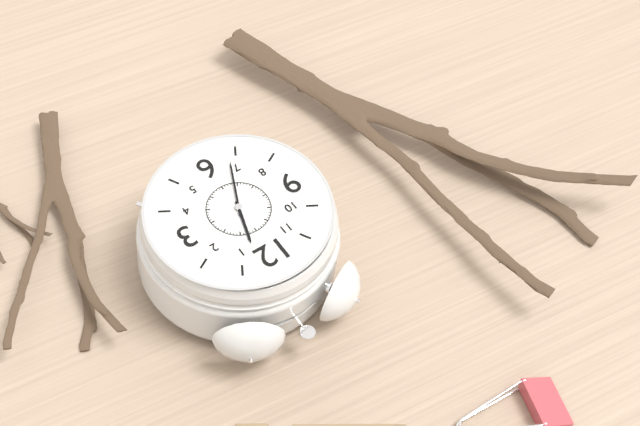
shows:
12,34
